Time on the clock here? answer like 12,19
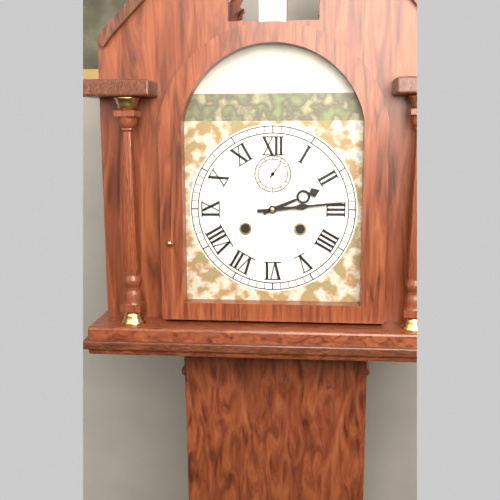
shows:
2,14
